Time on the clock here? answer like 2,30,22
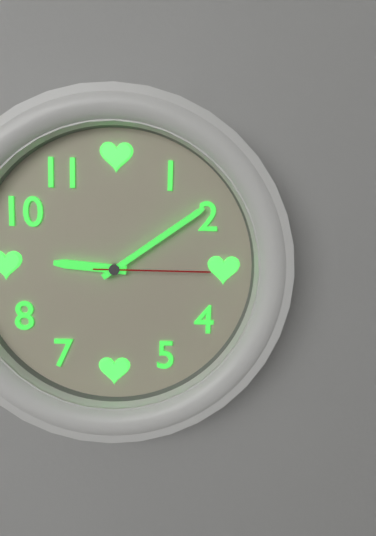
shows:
9,09,15
